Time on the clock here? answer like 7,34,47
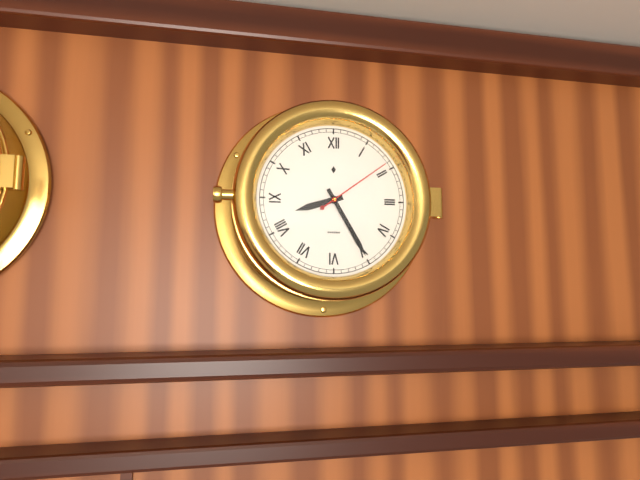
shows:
8,25,09
